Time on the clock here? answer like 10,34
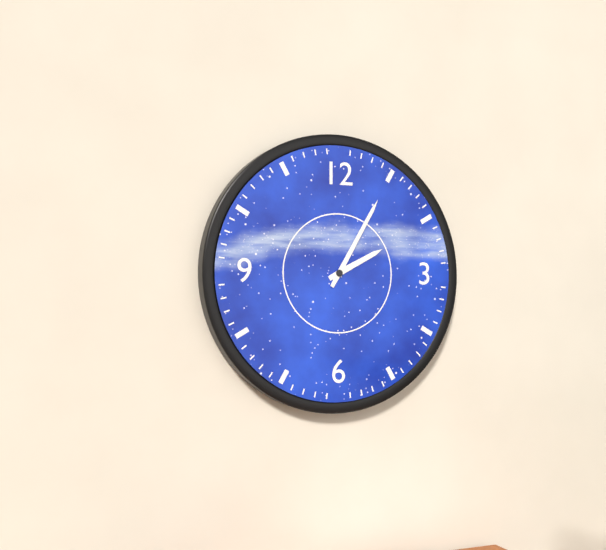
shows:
2,05
